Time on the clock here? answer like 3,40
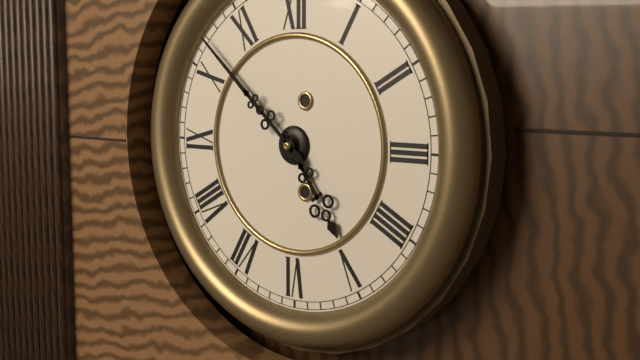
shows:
4,52
